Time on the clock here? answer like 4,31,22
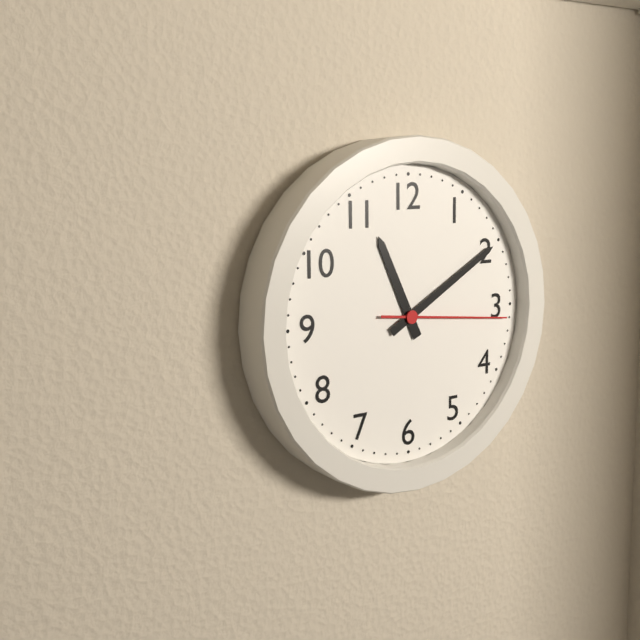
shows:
11,10,16
